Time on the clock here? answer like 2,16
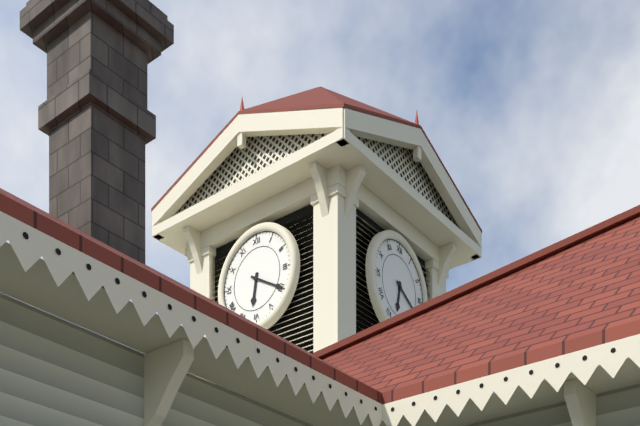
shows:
6,20
